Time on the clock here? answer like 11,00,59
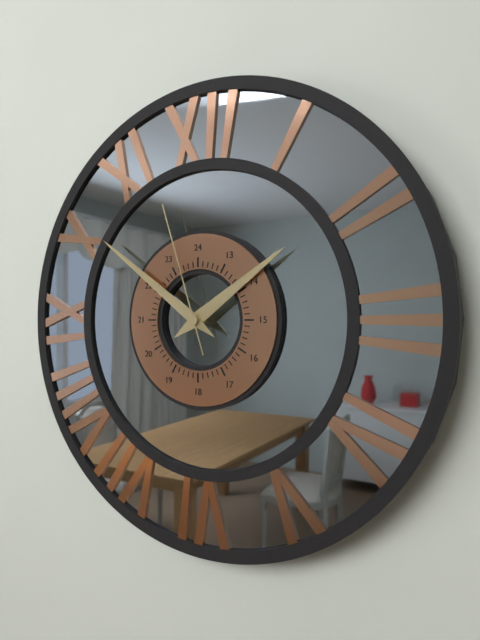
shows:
1,51,57
